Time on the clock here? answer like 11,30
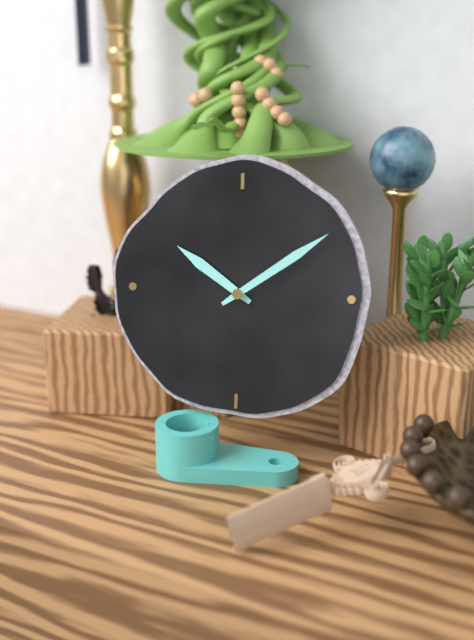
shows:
10,09
